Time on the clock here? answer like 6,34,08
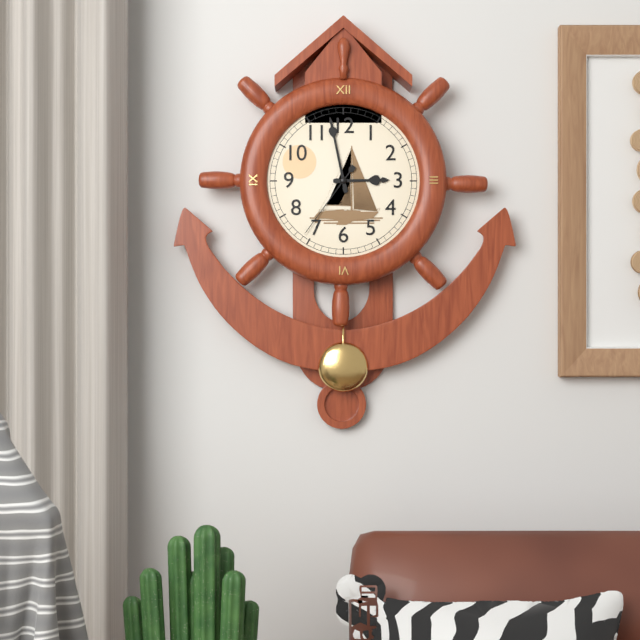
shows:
2,58,36
